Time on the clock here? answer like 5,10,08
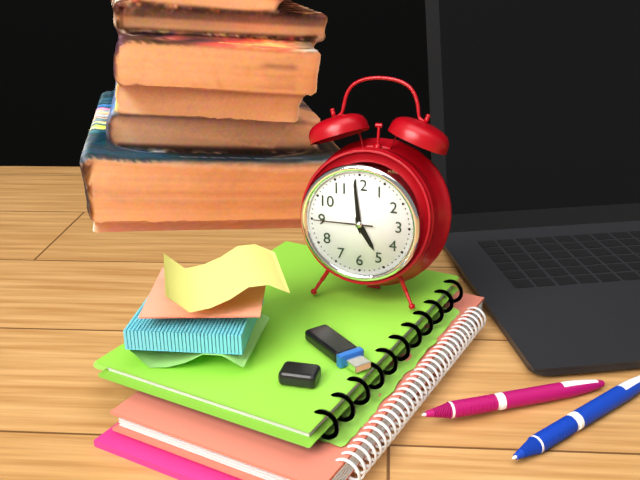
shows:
4,59,45
